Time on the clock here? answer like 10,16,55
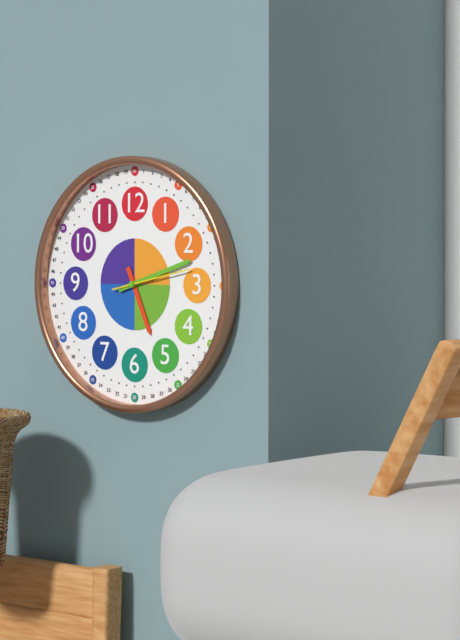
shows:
5,12,13
